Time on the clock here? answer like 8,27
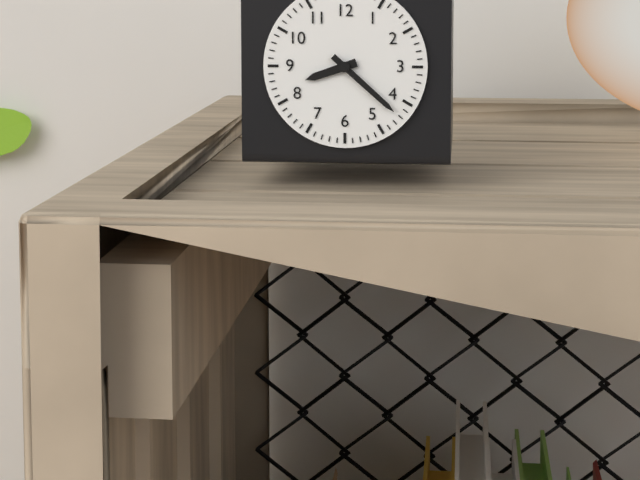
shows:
8,22
